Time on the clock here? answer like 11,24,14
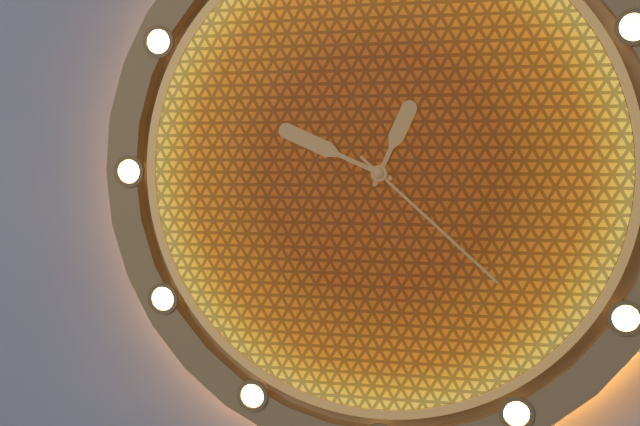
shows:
12,49,22
